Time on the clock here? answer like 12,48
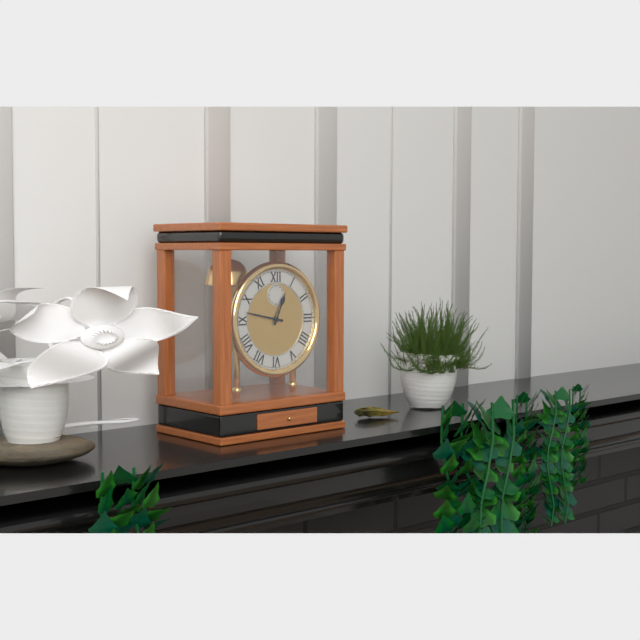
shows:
12,47
